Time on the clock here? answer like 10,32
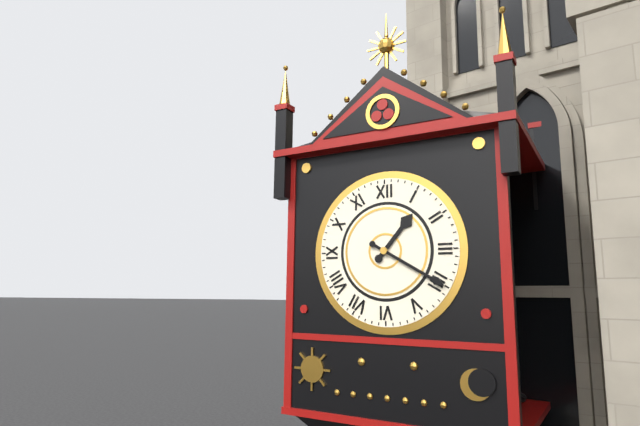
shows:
1,20
